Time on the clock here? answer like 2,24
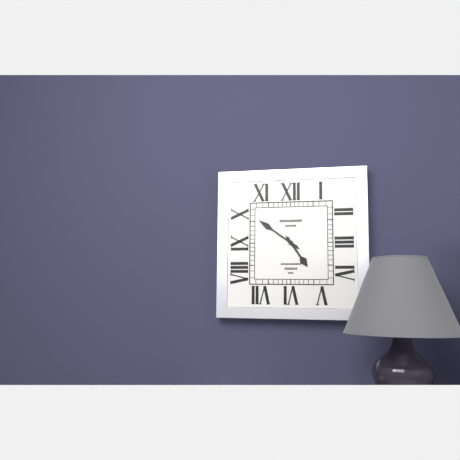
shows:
4,51
